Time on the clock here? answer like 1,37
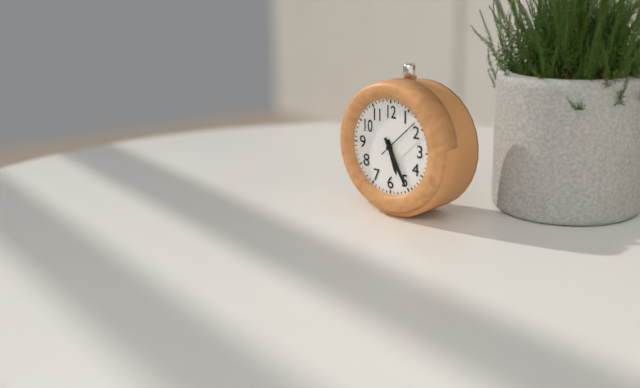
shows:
5,25
